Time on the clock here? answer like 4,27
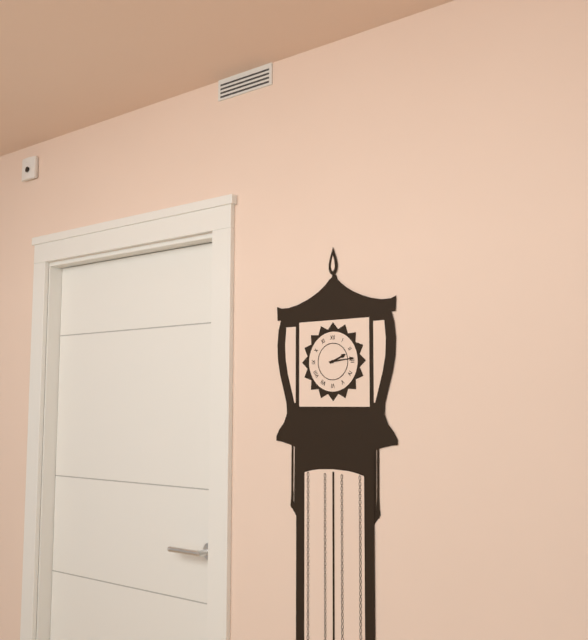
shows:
2,14
